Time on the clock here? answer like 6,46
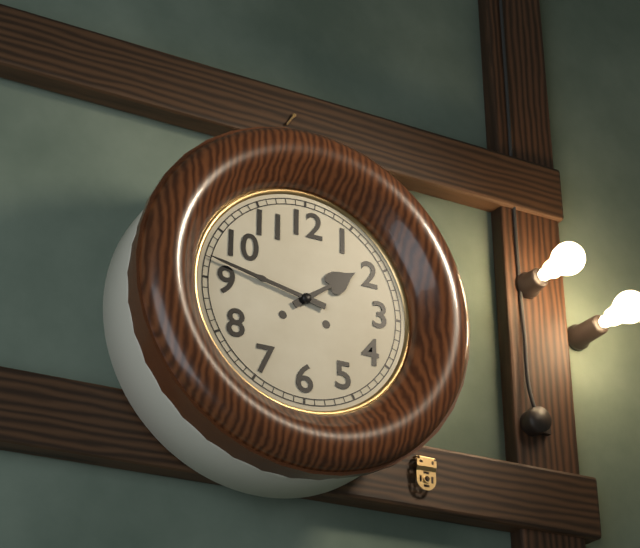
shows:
1,47
